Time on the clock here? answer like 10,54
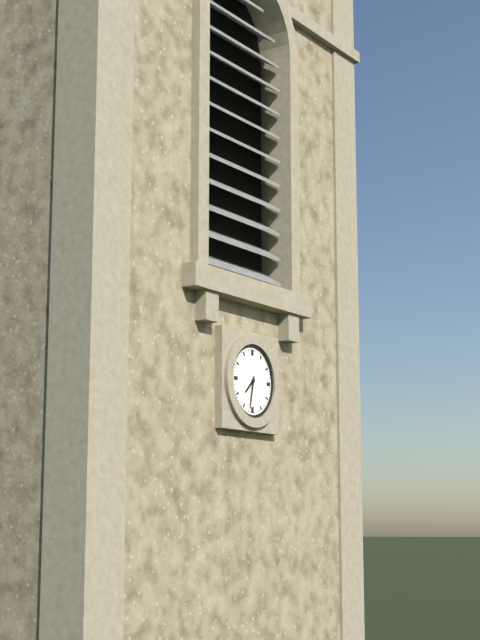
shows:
7,32
